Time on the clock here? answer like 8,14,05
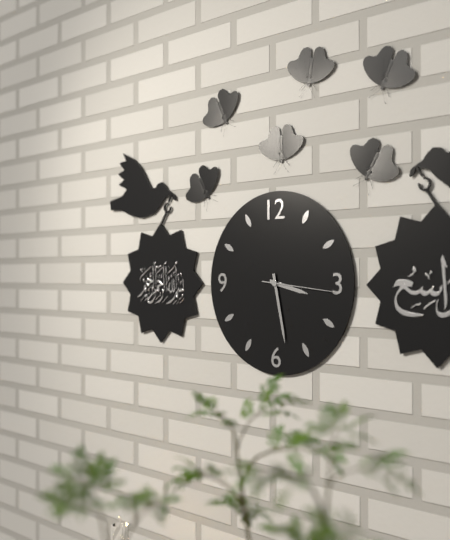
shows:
3,28,16
